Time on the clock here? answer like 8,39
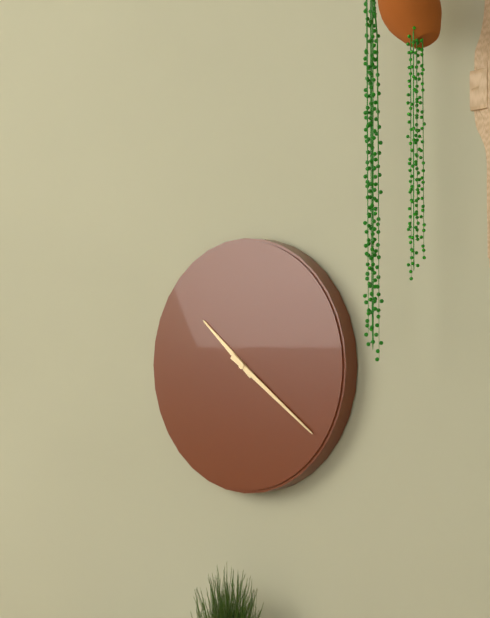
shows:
10,21
